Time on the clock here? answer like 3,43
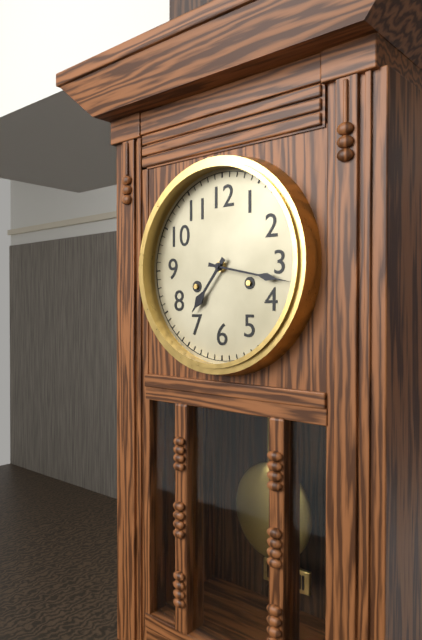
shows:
7,17
